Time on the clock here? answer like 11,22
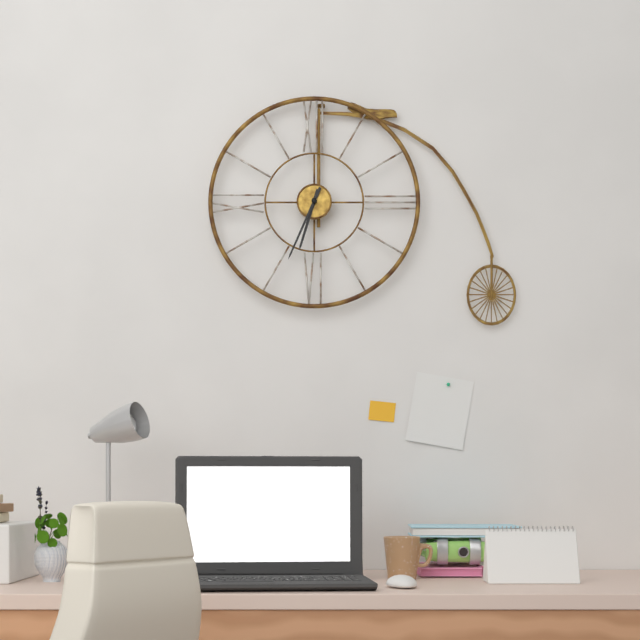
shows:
6,34
